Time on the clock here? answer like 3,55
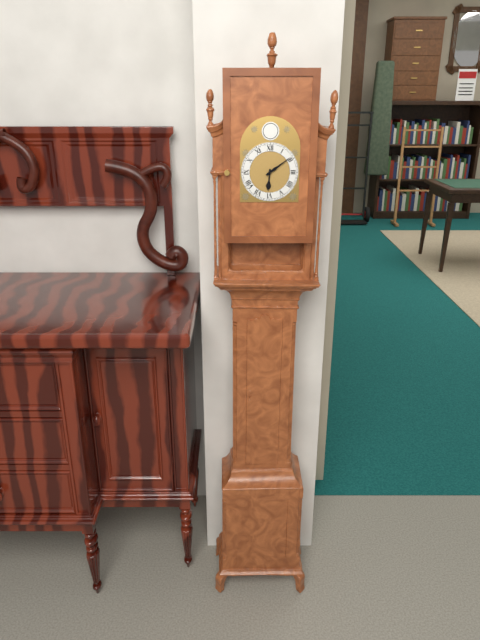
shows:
6,09
